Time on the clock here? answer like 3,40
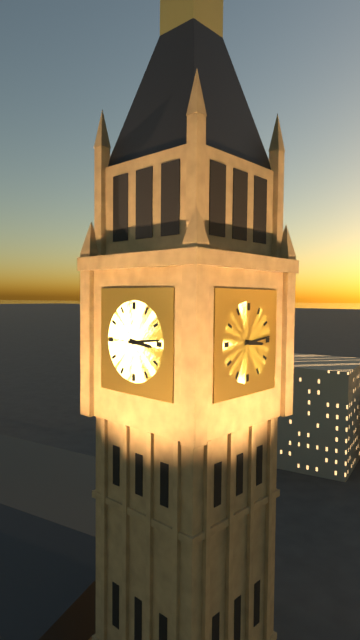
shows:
3,14
